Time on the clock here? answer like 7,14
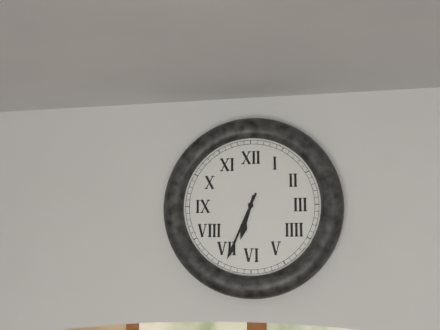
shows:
6,34
